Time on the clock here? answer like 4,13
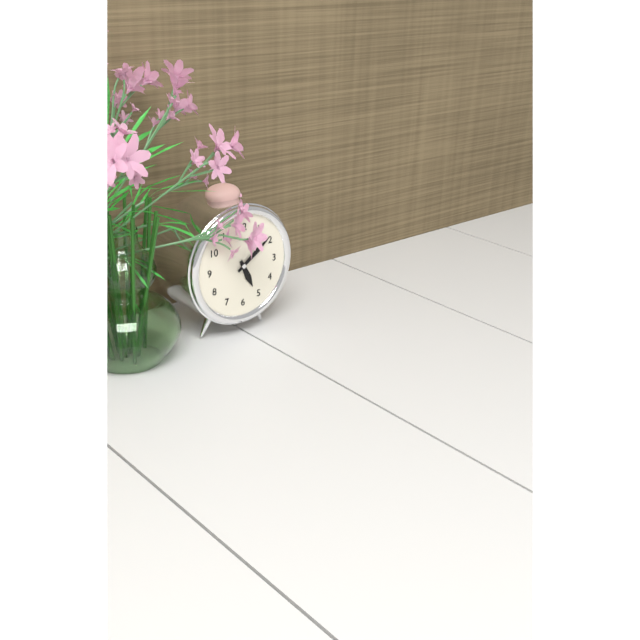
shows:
5,09
